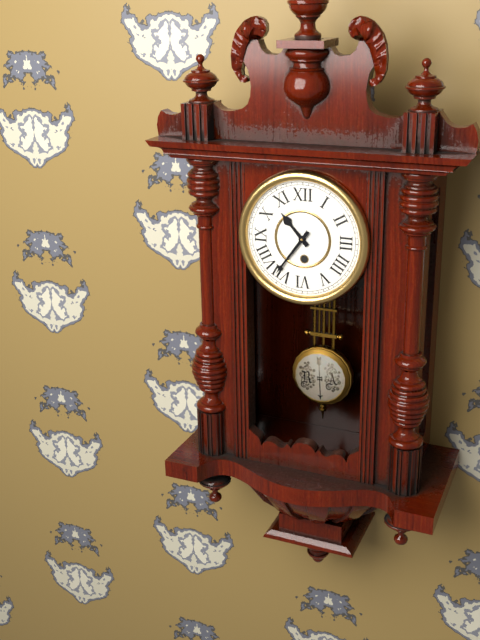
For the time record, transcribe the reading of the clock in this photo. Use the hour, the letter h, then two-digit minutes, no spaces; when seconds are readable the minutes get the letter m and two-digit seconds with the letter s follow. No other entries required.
10h36
